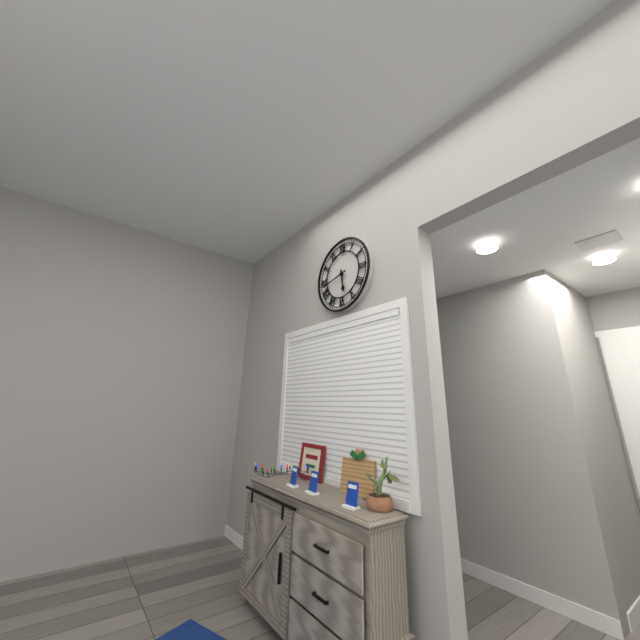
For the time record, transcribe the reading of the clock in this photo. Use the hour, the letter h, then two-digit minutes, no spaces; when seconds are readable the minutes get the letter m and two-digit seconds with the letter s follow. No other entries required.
5h43
